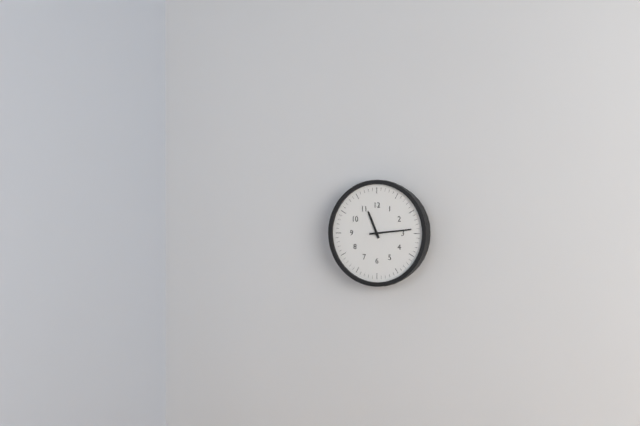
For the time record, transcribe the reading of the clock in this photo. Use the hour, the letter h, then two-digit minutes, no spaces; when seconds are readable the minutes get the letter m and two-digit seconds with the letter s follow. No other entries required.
11h14
